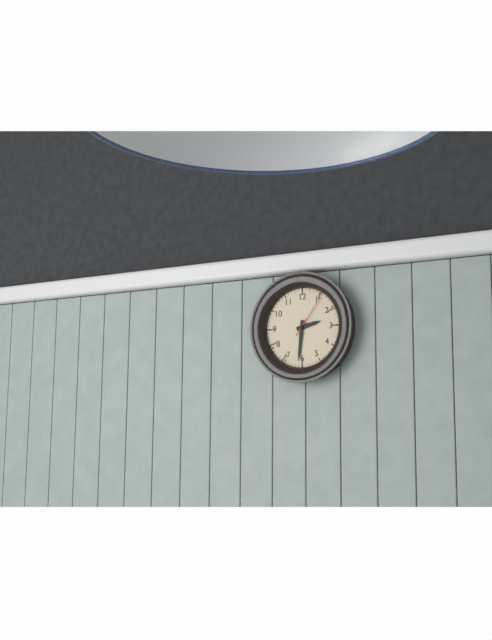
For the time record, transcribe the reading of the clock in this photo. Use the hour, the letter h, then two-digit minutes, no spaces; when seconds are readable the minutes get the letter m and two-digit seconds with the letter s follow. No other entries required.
2h31
